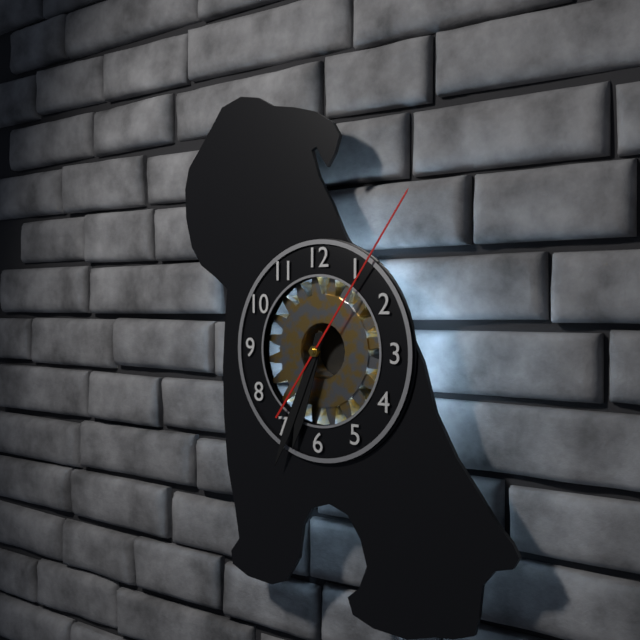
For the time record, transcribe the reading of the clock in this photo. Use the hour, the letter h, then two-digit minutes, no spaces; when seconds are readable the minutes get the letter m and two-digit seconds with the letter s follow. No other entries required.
6h34m06s
